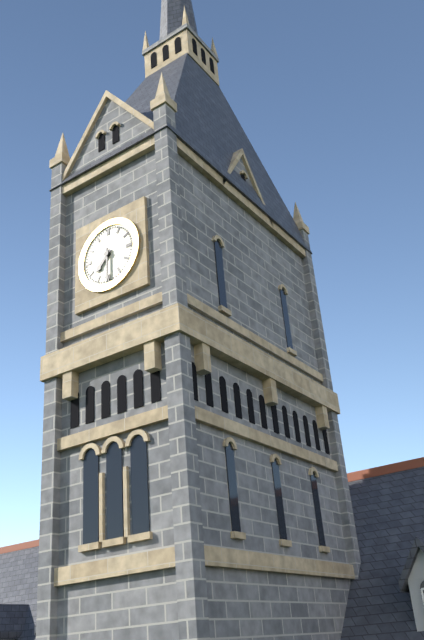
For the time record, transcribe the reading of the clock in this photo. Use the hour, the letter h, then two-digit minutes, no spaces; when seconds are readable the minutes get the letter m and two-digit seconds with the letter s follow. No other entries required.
7h30
